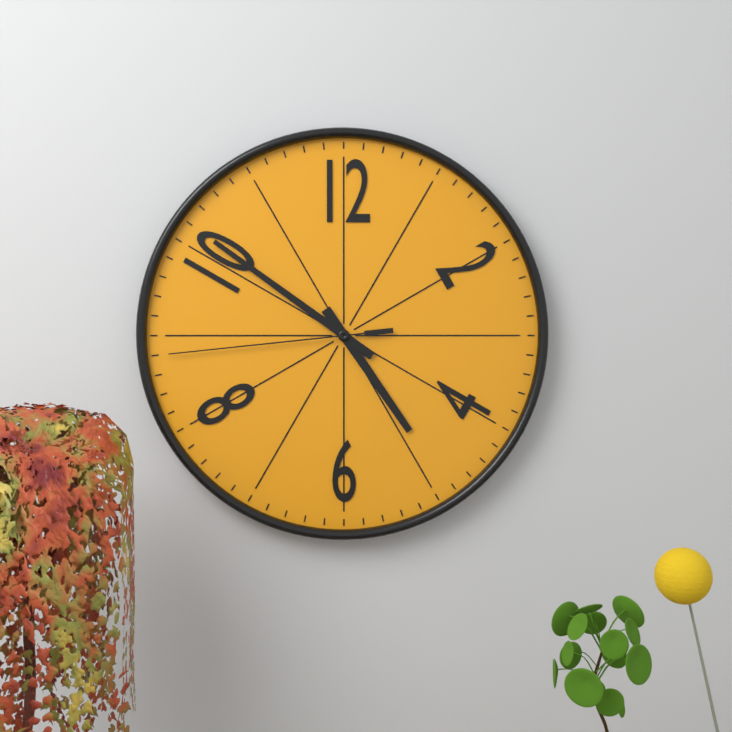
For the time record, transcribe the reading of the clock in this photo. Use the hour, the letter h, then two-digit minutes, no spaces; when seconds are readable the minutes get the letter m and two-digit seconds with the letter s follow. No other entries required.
4h51m44s
